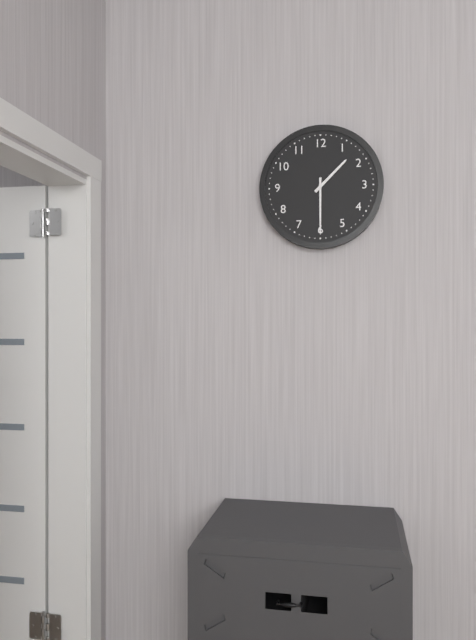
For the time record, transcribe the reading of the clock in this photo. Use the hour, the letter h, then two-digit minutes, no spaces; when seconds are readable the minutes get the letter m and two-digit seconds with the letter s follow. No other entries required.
1h30
